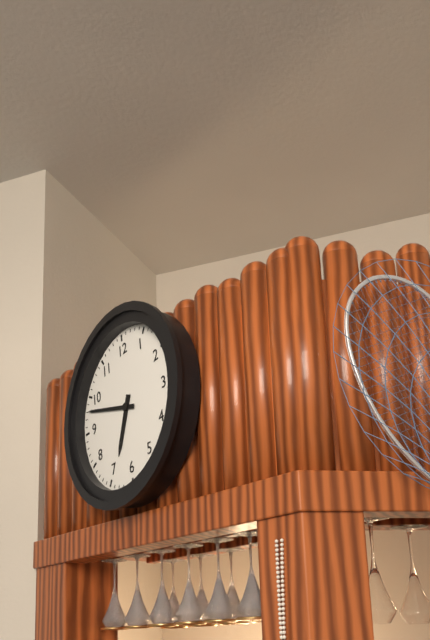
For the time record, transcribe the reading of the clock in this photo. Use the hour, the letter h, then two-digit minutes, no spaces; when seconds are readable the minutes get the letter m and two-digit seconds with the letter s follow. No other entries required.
6h48
